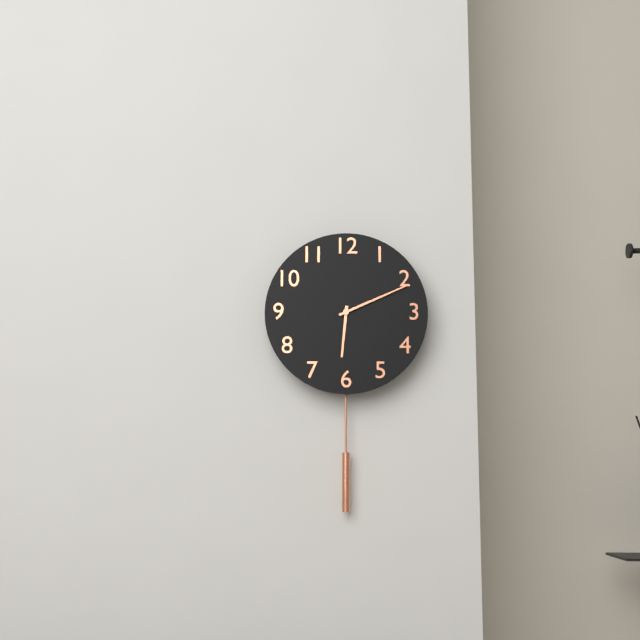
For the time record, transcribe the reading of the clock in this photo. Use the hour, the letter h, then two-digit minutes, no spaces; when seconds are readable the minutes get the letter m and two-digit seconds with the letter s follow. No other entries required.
6h11
